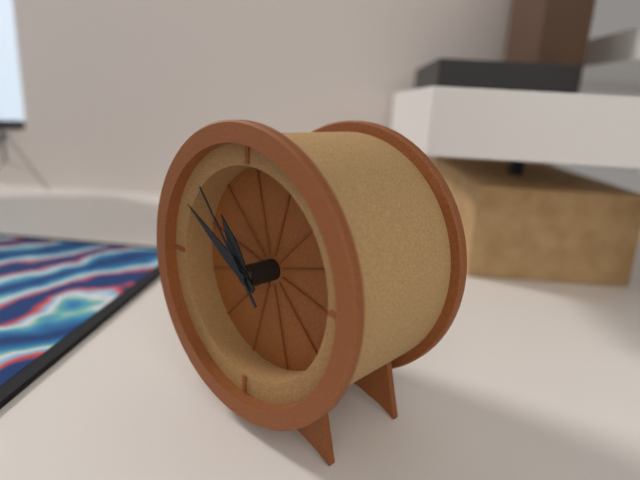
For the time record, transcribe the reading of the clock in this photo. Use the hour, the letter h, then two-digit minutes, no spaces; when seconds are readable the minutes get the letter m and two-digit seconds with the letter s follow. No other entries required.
10h50m53s
